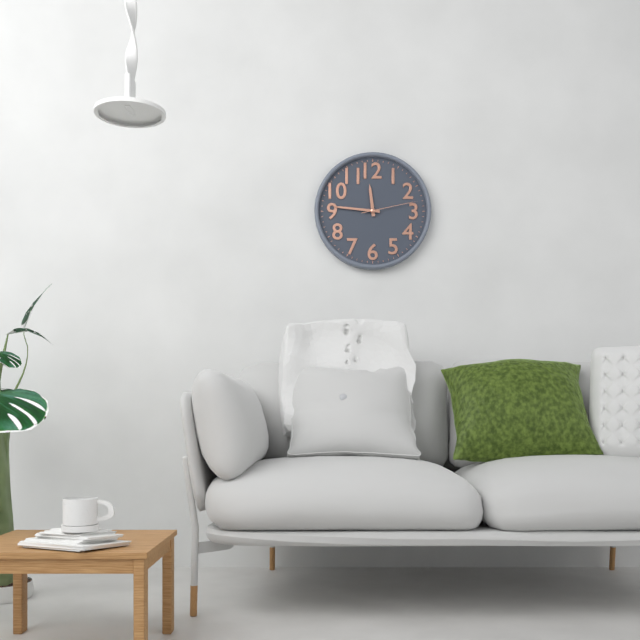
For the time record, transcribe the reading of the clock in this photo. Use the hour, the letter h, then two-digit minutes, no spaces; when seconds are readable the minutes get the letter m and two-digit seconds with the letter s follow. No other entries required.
11h46m13s
